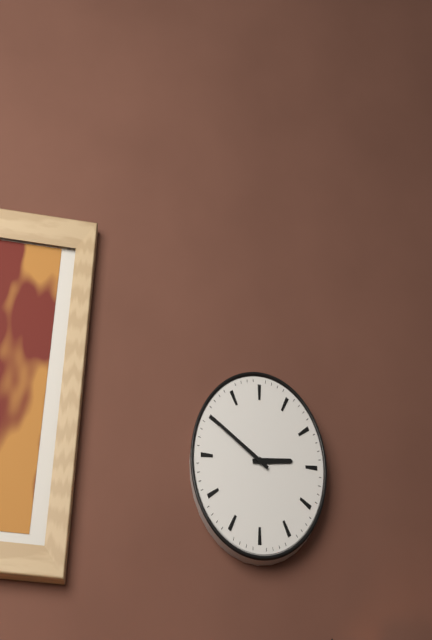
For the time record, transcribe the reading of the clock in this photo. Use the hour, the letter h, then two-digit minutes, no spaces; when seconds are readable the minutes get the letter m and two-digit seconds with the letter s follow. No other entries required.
2h50
